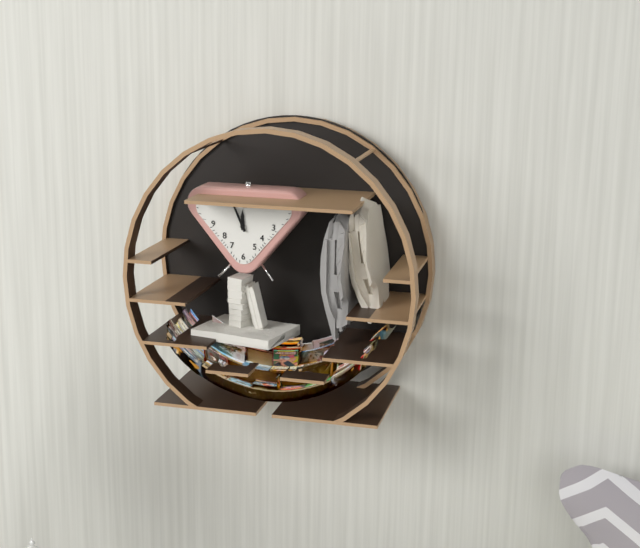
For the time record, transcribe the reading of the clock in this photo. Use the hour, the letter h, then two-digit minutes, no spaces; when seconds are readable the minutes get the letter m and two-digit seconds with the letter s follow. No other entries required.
11h56
